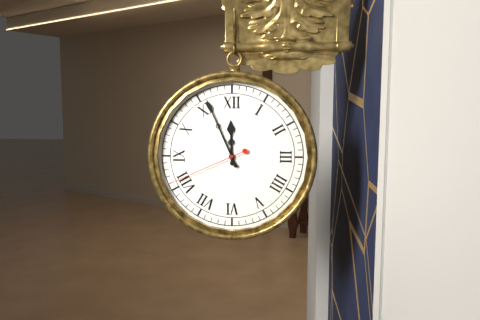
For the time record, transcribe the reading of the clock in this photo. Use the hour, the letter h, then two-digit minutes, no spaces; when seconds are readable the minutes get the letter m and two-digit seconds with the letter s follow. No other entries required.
11h56m41s
